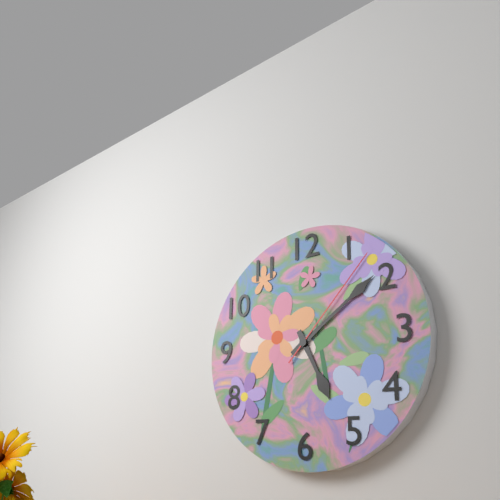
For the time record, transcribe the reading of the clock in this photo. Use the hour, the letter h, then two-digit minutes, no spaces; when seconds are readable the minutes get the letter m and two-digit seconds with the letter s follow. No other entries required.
5h09m07s
